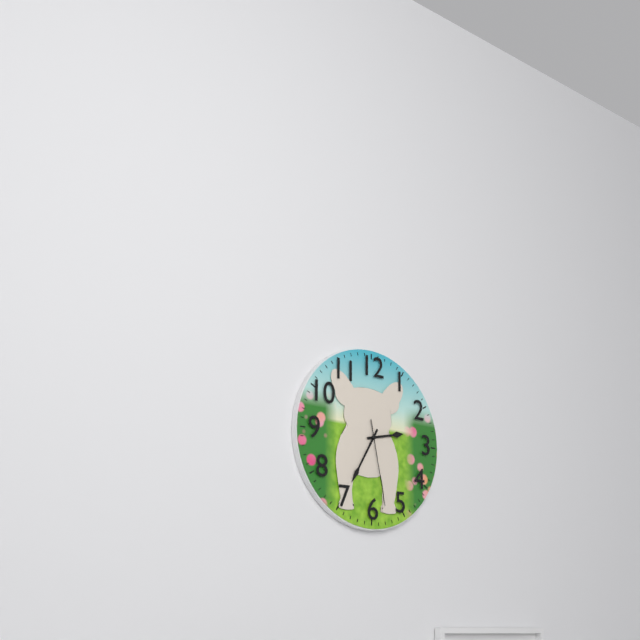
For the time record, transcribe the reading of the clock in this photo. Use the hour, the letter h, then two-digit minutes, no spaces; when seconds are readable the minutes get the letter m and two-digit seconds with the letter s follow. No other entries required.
2h35m28s
